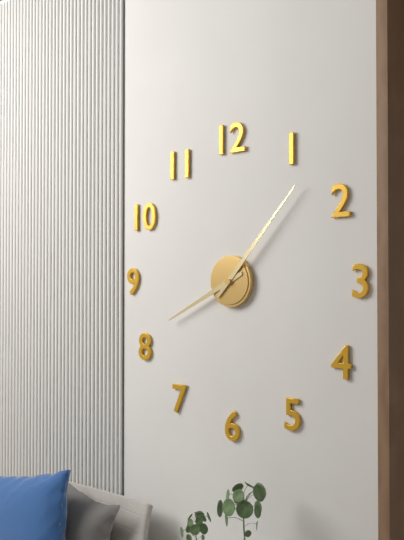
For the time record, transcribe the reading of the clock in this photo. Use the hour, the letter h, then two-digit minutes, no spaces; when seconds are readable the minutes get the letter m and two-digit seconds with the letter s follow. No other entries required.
8h07
